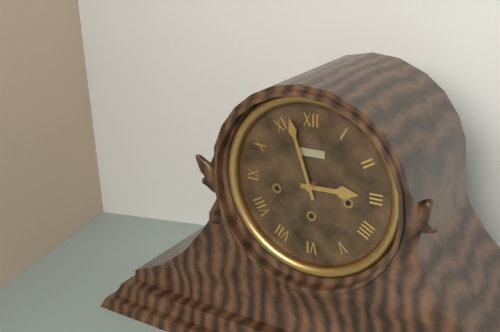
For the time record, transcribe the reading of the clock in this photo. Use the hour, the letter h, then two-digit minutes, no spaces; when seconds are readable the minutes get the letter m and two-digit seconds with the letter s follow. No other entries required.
2h57
